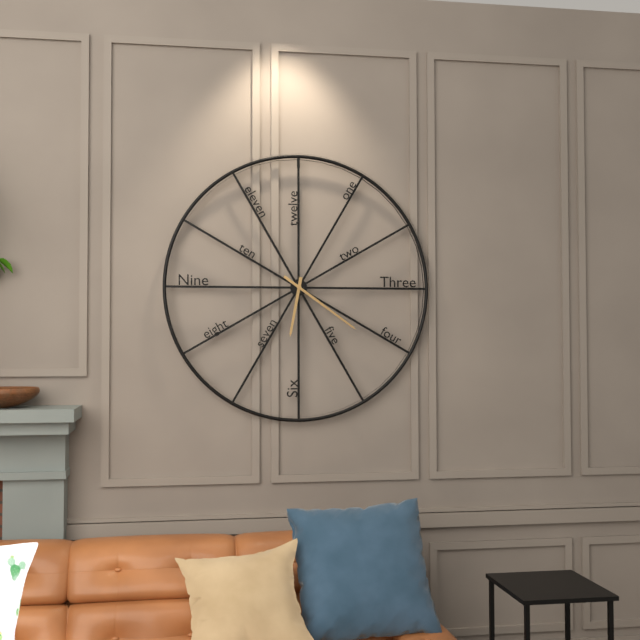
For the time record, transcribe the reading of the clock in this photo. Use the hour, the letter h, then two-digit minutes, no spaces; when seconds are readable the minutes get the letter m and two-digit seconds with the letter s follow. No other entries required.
6h21
